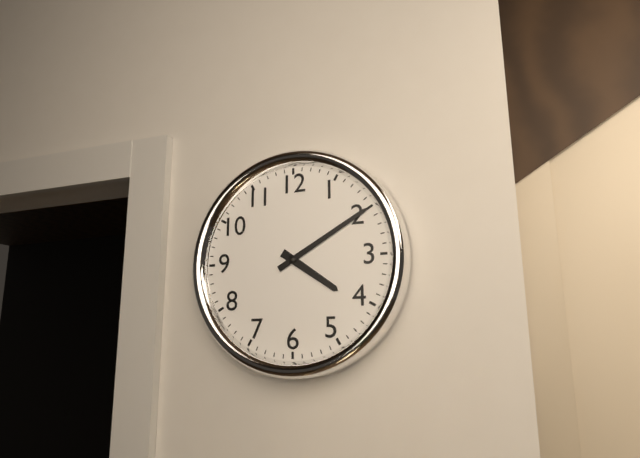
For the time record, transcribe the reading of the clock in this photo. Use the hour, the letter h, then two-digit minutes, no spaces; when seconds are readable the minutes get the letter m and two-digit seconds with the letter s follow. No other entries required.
4h10
